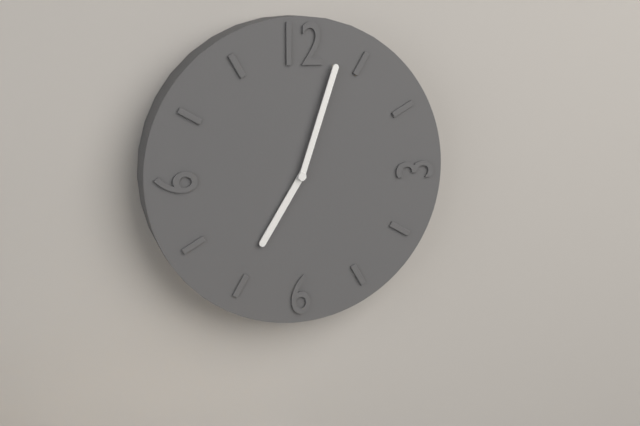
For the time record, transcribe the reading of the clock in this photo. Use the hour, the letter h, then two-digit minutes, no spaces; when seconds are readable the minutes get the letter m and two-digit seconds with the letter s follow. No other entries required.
7h03
